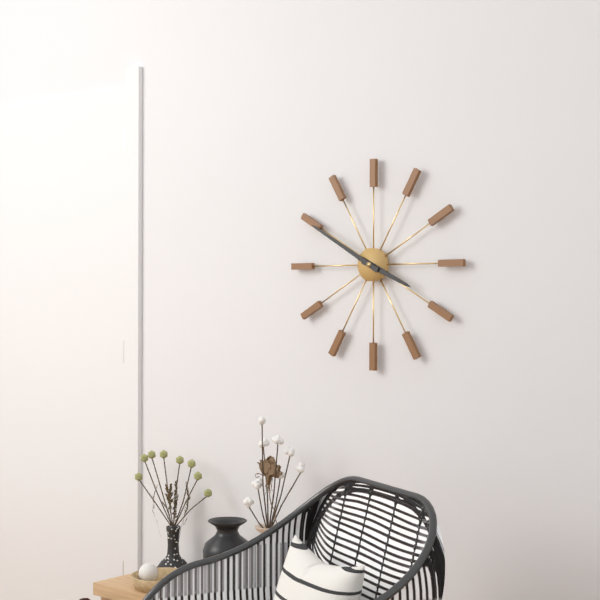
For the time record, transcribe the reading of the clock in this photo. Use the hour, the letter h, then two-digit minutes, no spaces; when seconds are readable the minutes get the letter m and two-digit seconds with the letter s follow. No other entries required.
3h50
